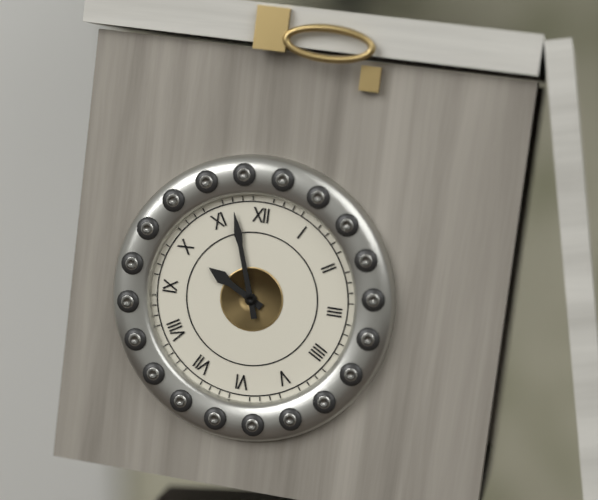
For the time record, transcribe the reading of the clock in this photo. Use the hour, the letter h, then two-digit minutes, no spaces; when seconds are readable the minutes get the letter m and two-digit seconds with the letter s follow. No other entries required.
9h57
